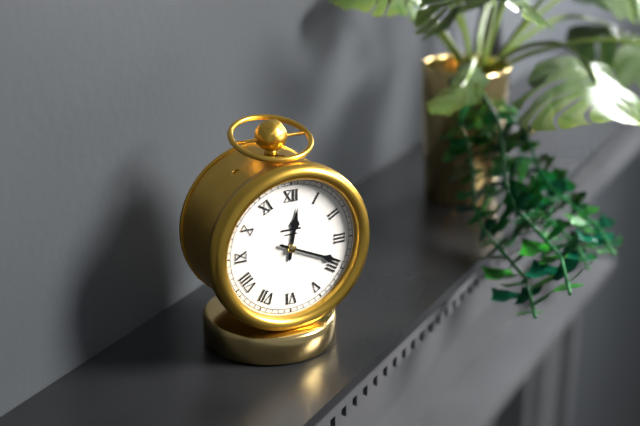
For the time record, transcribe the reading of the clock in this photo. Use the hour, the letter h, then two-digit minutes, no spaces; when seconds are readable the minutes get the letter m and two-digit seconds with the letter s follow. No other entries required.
12h19
